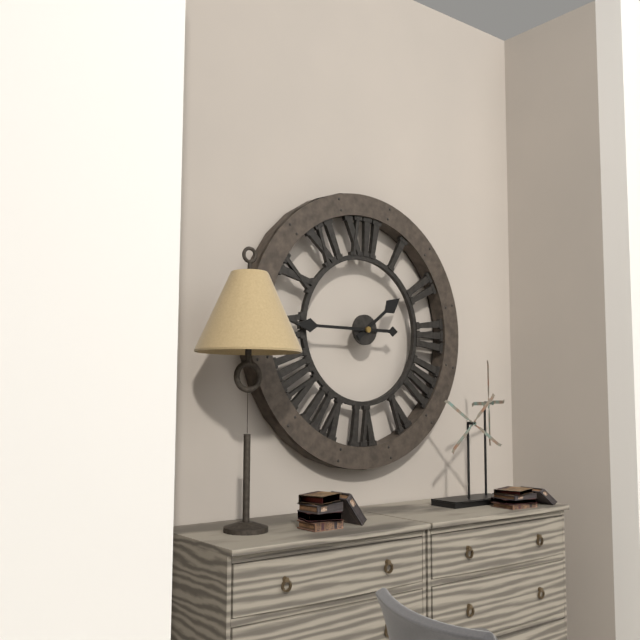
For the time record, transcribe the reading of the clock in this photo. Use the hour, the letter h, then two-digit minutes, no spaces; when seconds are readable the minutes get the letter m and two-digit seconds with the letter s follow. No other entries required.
1h45
